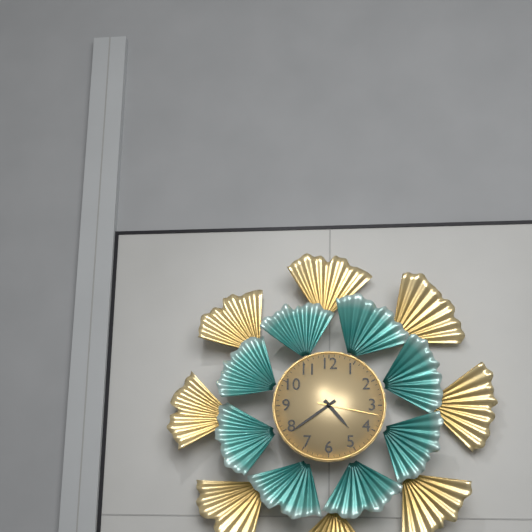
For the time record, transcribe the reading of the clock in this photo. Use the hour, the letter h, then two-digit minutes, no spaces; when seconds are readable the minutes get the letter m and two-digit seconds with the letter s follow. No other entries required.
4h39m17s
